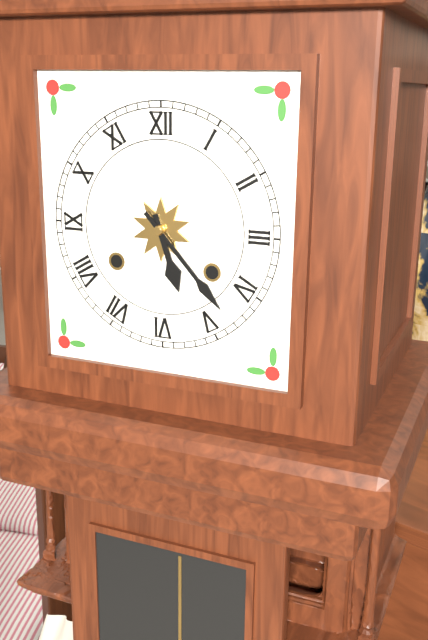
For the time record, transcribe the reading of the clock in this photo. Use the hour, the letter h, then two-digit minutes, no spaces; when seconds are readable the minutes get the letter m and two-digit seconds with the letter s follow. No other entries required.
5h23
